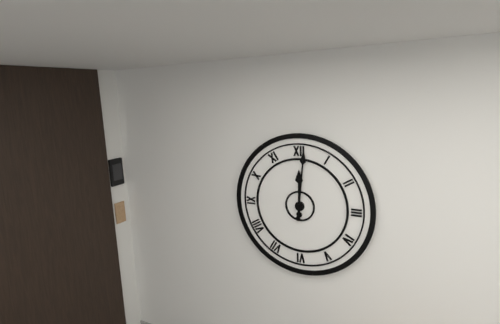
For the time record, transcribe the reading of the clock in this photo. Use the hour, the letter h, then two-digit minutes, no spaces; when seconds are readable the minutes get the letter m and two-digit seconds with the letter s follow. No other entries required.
12h01
